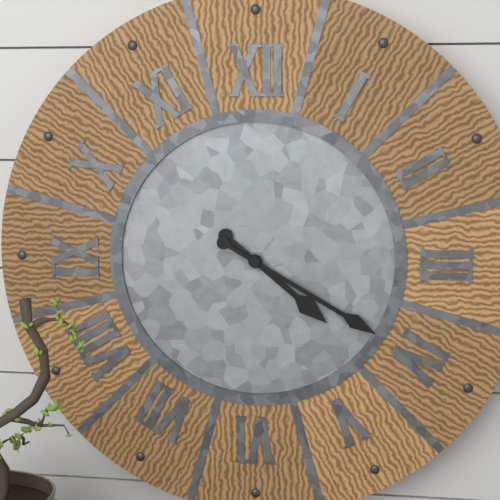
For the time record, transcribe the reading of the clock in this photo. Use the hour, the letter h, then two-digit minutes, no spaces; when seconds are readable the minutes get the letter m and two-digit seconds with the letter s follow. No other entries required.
4h20
